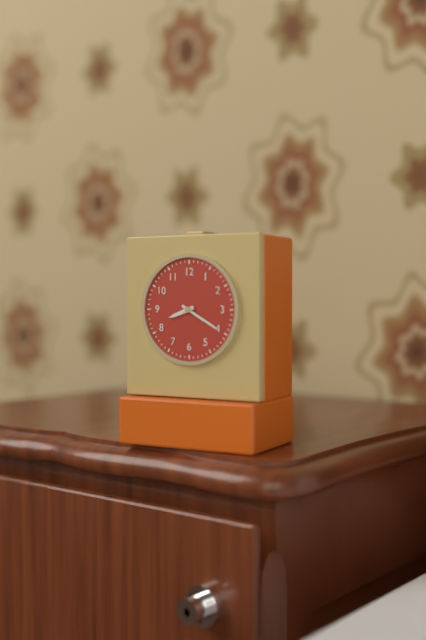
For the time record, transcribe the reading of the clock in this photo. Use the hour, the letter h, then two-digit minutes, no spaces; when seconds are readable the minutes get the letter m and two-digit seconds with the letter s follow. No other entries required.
8h20
